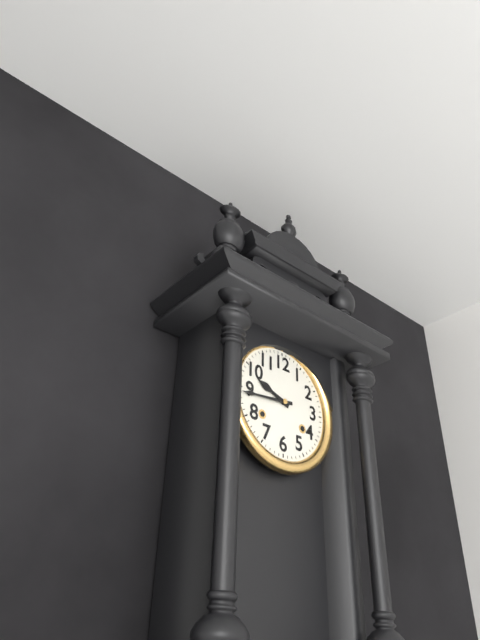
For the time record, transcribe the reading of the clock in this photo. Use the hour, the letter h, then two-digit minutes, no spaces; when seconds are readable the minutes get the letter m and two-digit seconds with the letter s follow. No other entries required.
9h44
